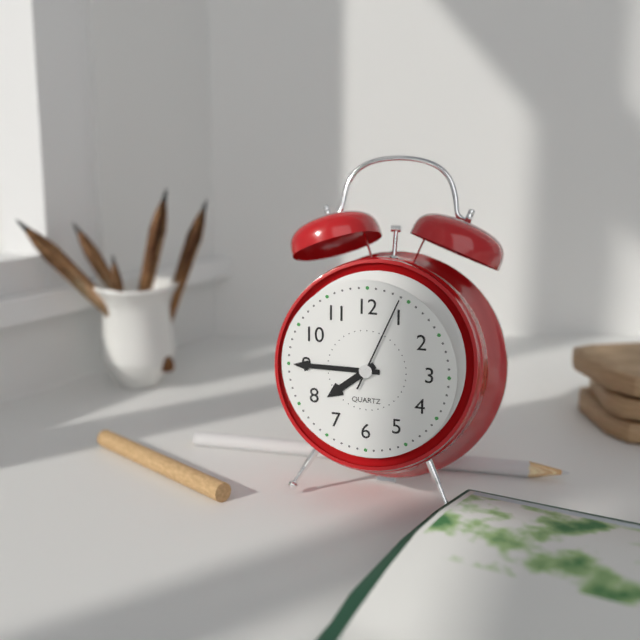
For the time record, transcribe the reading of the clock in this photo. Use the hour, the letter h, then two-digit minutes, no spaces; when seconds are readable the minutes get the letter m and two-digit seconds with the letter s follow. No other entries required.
7h45m04s
